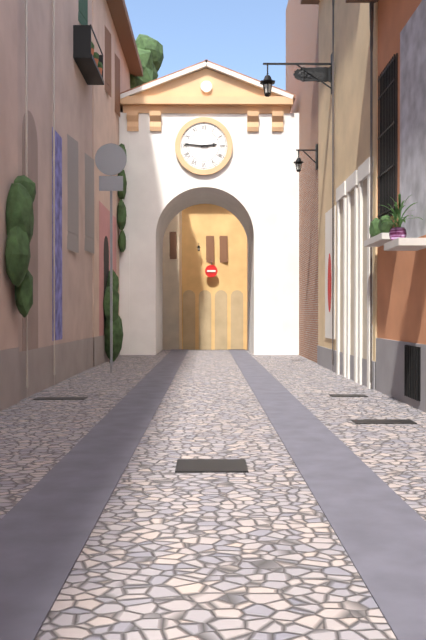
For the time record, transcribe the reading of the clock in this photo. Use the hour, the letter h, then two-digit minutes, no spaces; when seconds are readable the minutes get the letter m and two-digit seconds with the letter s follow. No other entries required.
2h46
